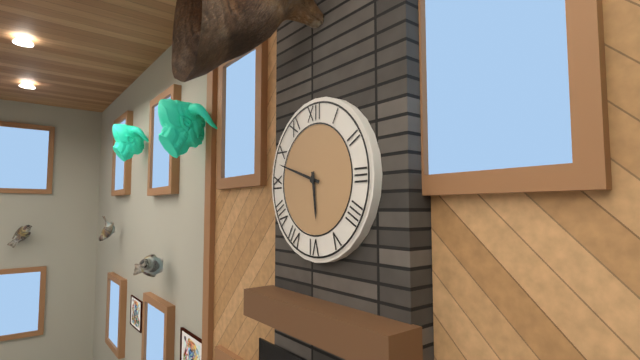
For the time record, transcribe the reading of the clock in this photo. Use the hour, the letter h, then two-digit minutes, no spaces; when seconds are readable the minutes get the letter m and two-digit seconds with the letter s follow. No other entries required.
5h48
